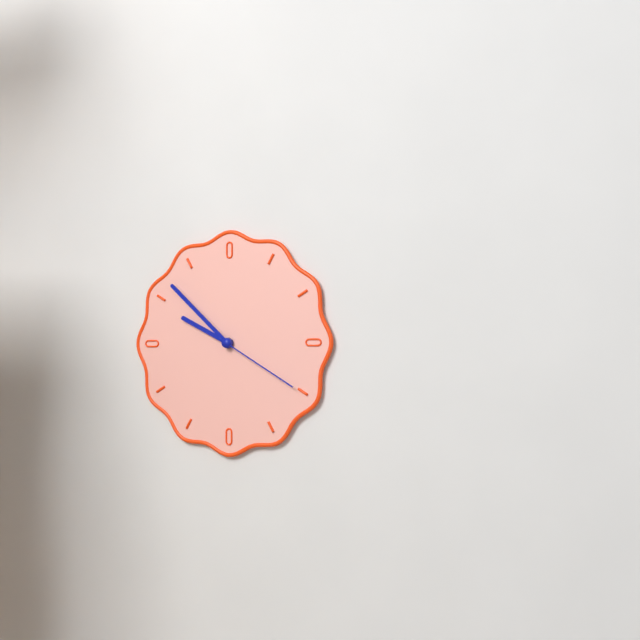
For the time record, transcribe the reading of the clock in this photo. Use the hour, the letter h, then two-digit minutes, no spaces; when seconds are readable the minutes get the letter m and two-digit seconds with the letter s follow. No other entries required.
9h52m20s
